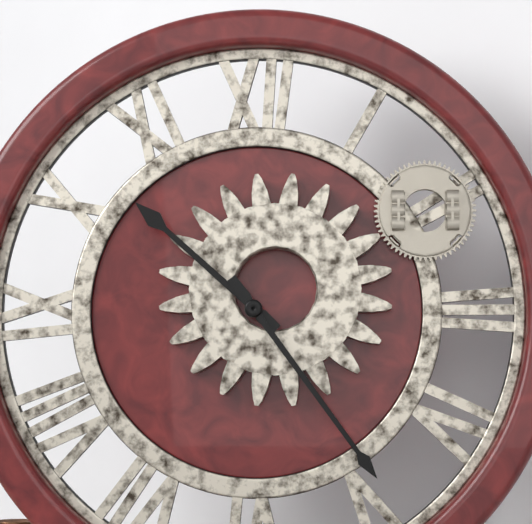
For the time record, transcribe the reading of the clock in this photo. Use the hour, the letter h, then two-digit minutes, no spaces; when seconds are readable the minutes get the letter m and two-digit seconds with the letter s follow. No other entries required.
10h24
